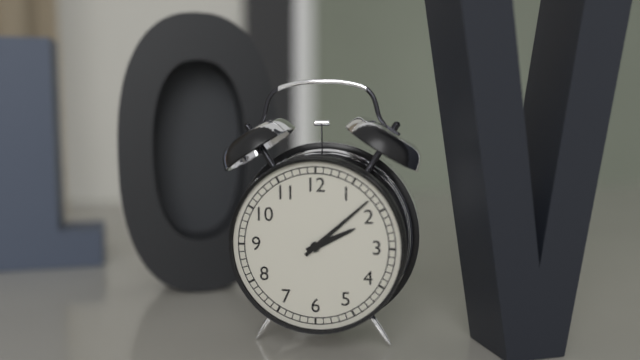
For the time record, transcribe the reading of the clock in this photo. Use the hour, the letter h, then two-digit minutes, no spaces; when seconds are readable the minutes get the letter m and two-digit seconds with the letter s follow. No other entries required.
2h08
